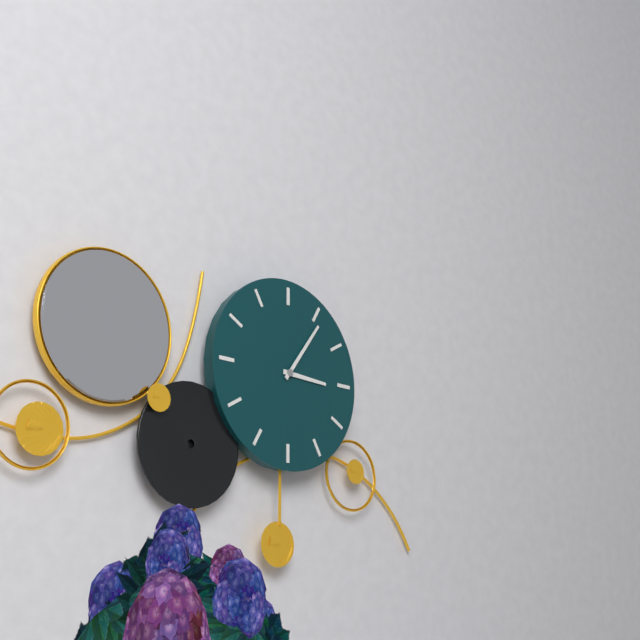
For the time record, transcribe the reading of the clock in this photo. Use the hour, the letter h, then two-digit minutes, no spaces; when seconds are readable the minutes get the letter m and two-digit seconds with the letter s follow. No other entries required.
3h06
